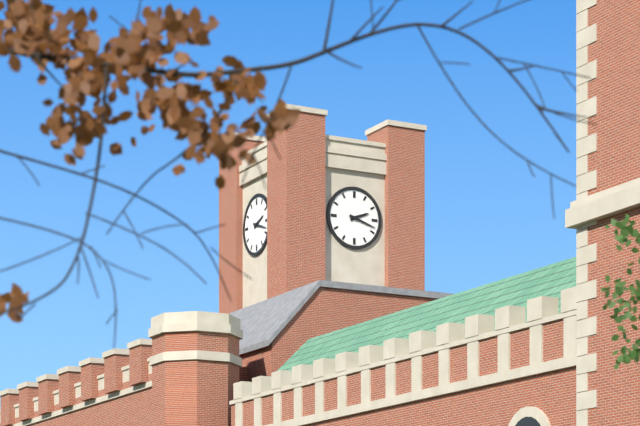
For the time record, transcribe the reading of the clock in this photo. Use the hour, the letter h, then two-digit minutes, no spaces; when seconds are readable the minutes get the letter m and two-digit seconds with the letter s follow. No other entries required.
2h18
